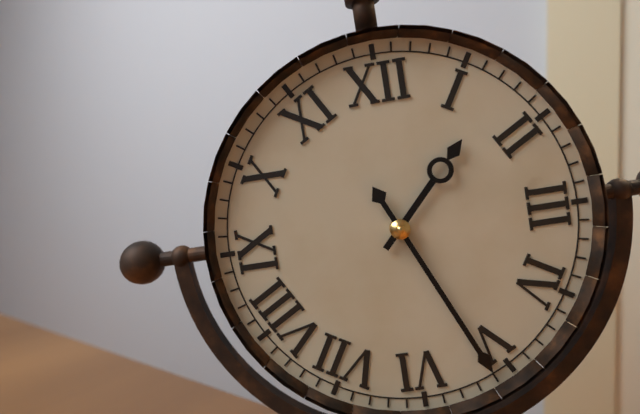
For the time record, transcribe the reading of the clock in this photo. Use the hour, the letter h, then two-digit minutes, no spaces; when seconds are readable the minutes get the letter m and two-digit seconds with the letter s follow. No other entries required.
1h26
